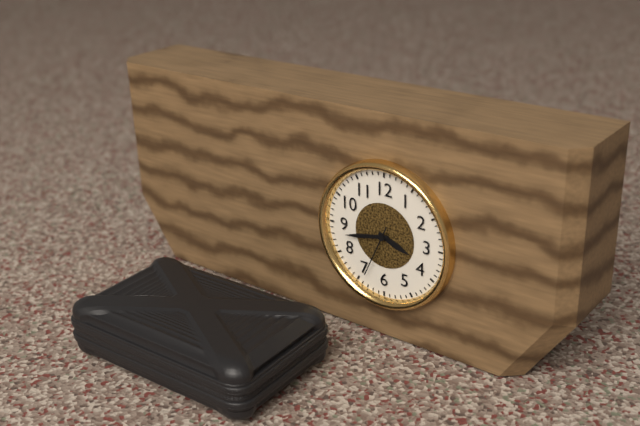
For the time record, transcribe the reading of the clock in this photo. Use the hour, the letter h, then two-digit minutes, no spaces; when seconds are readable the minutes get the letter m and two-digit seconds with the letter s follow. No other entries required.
3h43m34s
